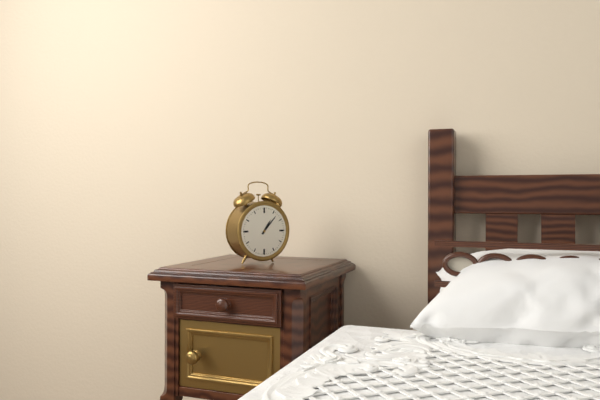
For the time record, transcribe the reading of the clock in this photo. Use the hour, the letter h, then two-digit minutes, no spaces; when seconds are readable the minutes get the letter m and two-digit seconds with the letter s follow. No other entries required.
1h07
